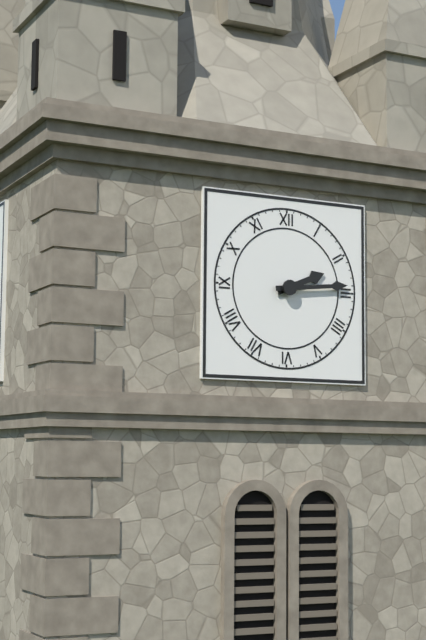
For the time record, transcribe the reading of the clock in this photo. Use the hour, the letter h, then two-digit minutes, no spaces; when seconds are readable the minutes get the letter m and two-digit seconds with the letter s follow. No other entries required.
2h14
